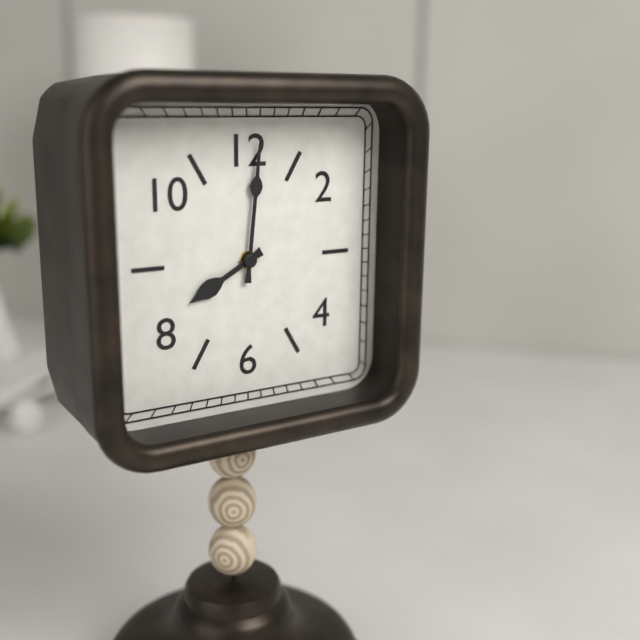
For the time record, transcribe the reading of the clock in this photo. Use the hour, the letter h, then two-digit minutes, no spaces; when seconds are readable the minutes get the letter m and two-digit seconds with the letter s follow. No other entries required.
8h01
